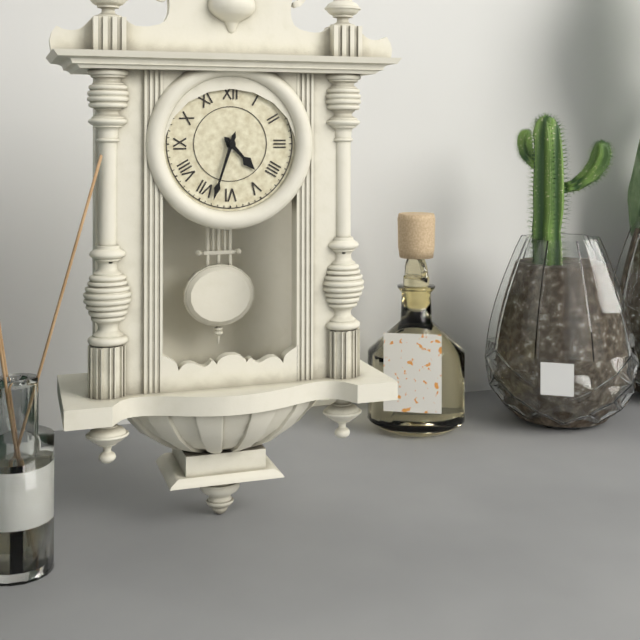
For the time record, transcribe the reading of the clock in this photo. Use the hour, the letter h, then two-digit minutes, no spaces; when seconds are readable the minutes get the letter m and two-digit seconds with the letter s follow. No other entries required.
4h33
